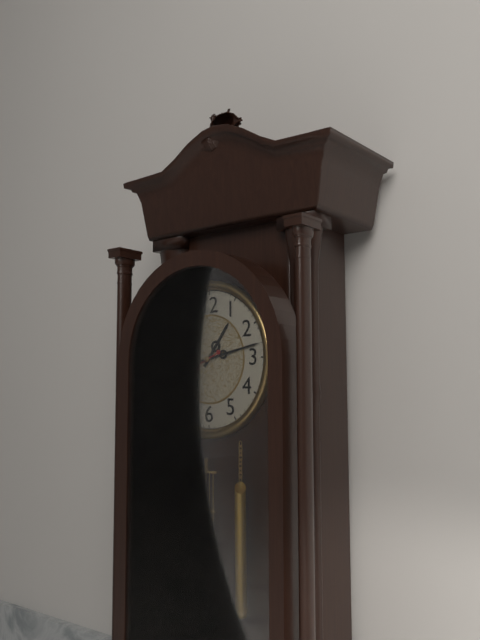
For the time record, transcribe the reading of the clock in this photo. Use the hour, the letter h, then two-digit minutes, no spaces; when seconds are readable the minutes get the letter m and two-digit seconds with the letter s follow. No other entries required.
1h13m41s
